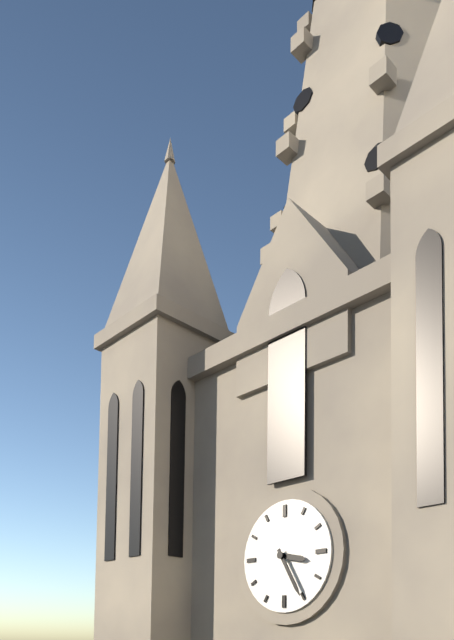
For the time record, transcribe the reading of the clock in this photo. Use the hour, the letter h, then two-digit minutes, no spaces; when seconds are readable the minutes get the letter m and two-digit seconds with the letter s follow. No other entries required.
3h25
